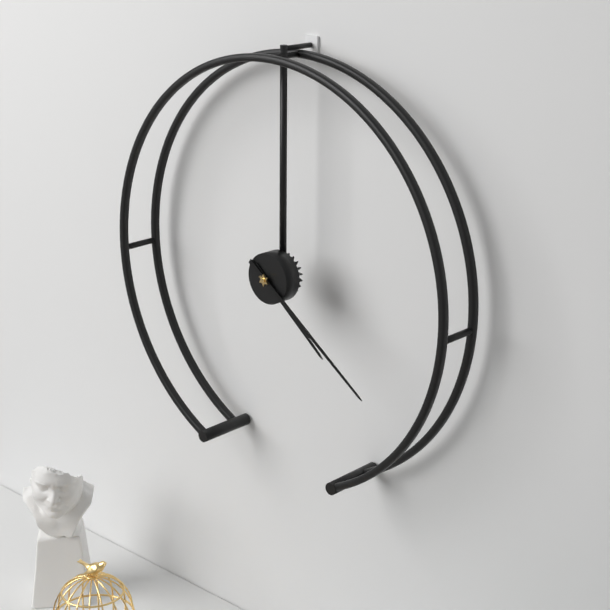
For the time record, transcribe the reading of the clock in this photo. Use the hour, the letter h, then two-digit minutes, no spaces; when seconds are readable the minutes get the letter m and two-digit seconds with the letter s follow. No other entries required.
4h21
